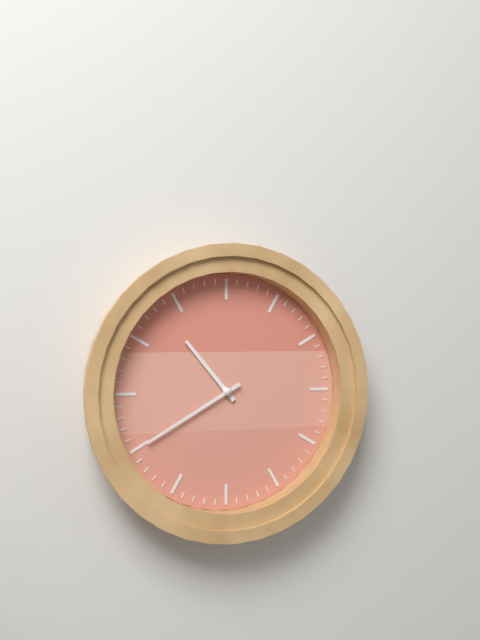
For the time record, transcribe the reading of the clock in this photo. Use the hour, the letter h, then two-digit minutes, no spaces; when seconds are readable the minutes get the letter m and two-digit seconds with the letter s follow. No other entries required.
10h40
